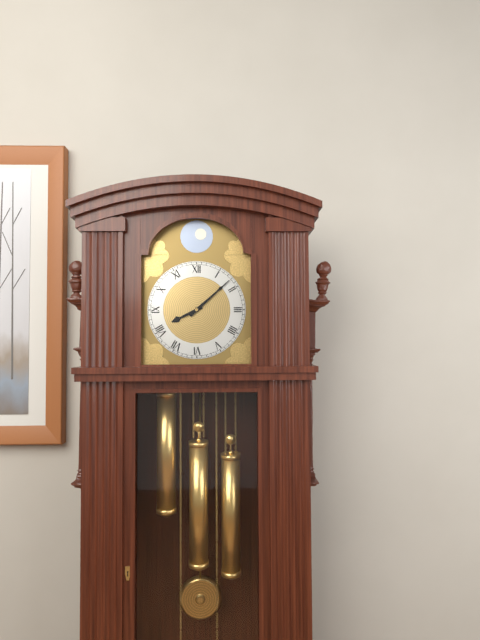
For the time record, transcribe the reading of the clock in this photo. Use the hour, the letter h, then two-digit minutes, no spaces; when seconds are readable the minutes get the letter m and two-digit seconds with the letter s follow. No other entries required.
8h08
